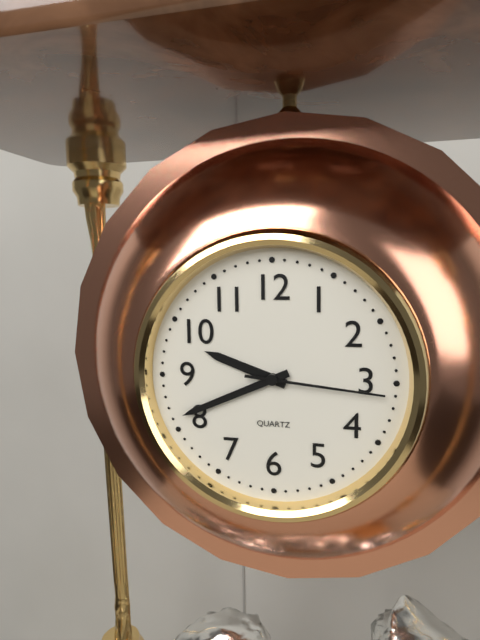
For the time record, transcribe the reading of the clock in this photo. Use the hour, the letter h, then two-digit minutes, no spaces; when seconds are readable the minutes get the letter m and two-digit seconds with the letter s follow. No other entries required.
9h41m16s
